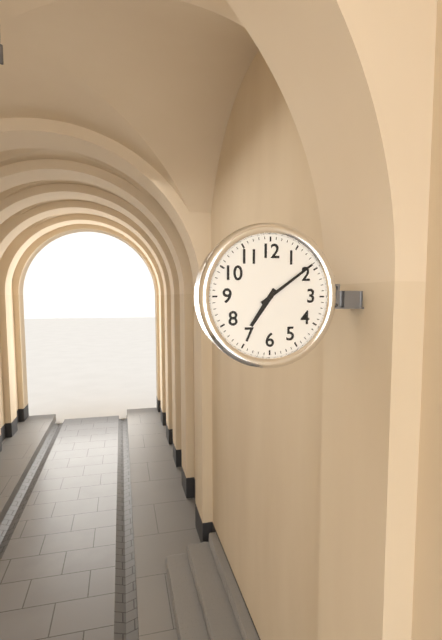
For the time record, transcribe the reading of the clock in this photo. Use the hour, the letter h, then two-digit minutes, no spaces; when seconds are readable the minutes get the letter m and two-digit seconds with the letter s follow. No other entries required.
7h09
